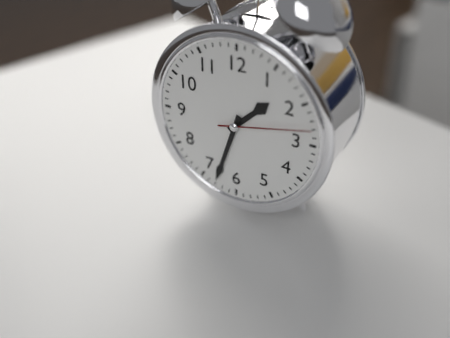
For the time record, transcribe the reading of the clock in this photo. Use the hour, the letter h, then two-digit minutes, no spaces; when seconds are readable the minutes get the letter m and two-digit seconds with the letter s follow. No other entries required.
1h33m13s
